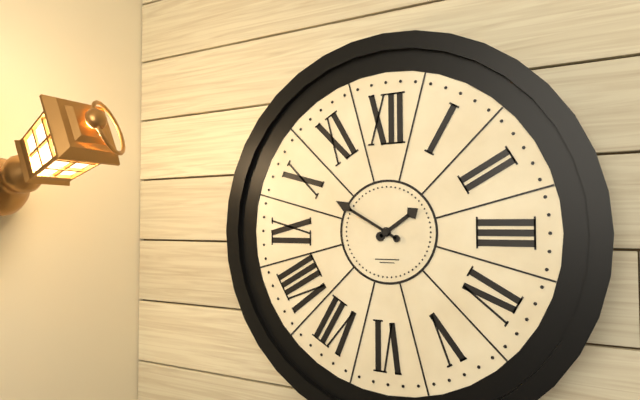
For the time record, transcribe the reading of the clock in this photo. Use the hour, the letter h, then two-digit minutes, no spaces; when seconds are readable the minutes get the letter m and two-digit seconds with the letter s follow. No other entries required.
1h50
